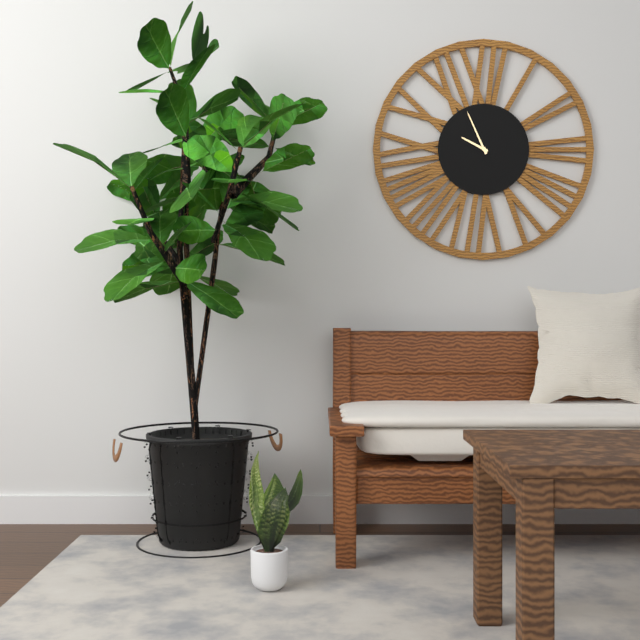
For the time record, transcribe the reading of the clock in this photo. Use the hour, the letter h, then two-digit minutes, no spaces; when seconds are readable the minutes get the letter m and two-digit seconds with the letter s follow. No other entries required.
9h56
